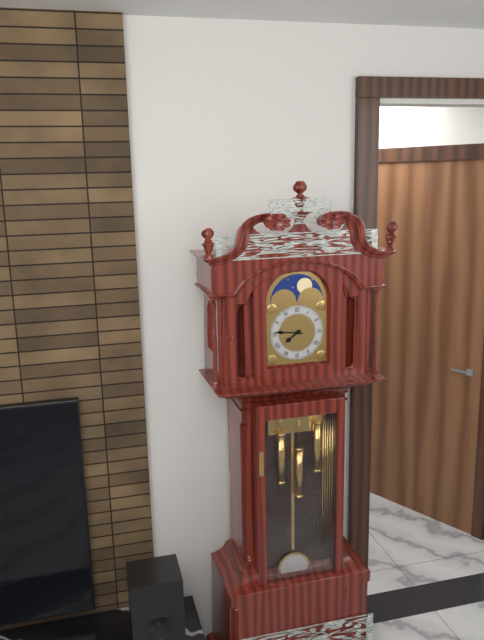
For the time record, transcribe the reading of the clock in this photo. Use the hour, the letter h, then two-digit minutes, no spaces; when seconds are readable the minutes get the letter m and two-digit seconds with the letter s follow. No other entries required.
7h46
